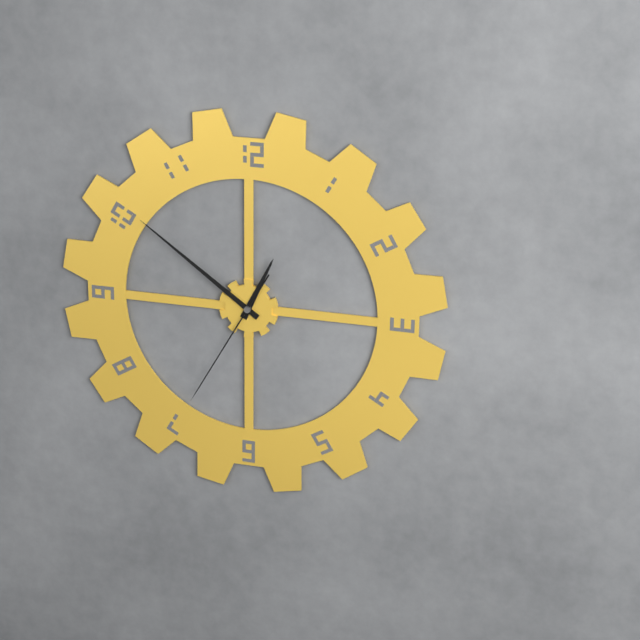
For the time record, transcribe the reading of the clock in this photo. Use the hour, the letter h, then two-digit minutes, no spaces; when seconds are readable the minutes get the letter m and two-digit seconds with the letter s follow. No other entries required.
12h51m35s
